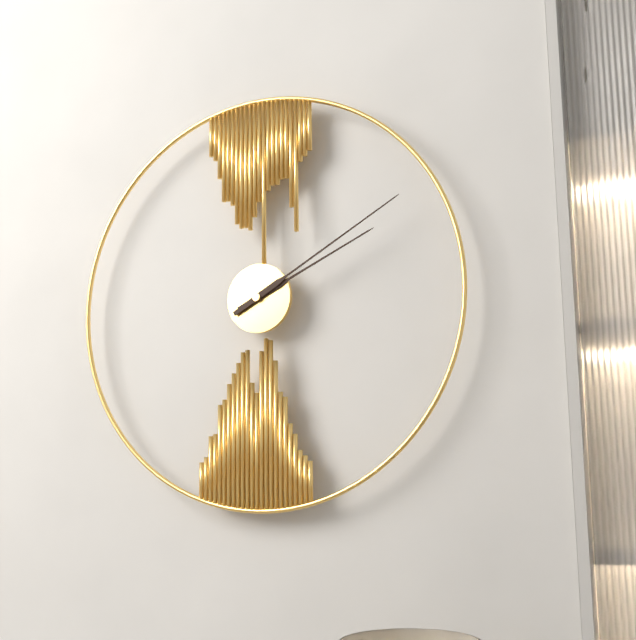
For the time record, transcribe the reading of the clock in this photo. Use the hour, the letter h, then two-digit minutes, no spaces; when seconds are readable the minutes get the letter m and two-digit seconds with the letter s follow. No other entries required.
2h10
